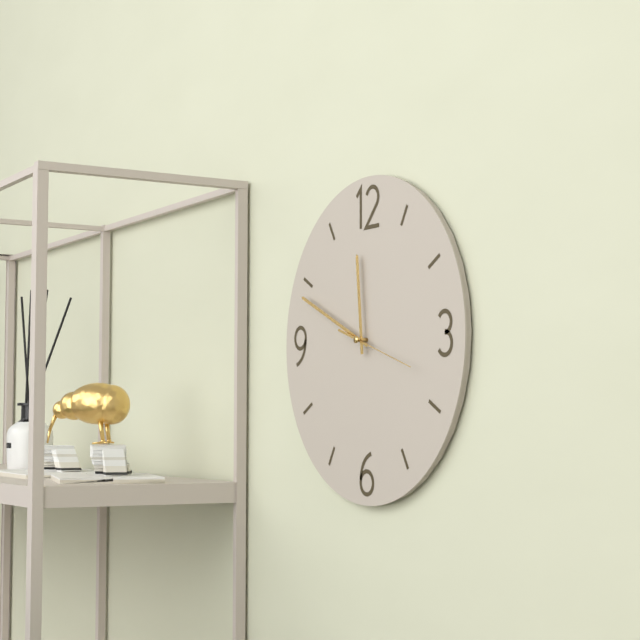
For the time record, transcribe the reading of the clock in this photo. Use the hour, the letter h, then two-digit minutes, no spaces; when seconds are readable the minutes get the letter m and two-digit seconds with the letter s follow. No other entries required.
11h49m18s
